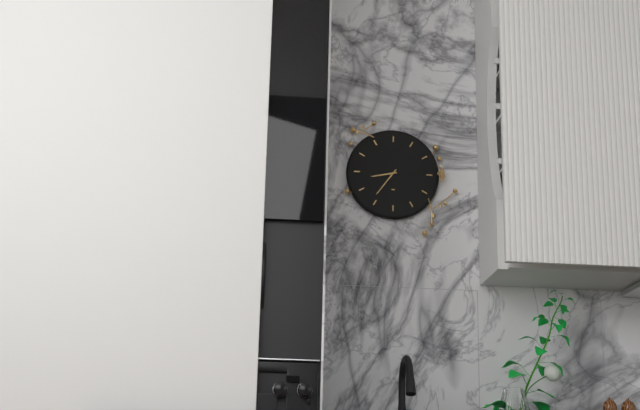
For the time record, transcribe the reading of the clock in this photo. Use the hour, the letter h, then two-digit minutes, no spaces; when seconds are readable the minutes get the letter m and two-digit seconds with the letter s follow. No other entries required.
8h36
